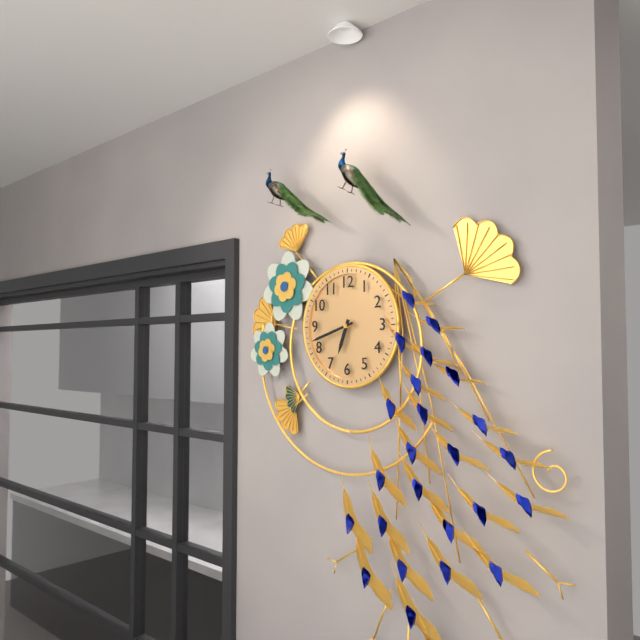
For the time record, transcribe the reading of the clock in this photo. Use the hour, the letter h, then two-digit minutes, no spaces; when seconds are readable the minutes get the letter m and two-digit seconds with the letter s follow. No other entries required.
6h42
